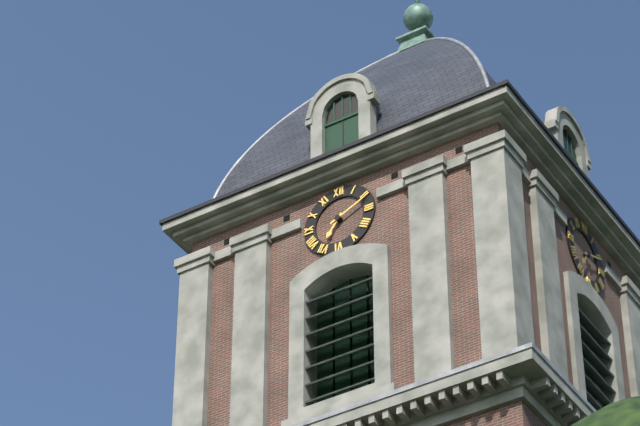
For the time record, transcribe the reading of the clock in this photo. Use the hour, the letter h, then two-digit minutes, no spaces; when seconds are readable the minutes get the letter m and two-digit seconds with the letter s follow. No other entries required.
7h11
